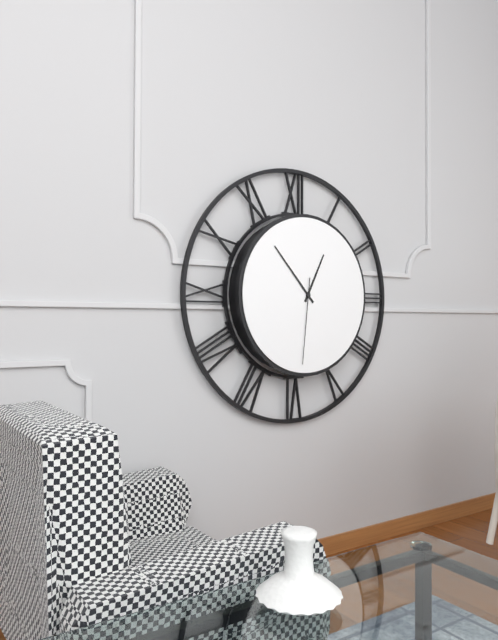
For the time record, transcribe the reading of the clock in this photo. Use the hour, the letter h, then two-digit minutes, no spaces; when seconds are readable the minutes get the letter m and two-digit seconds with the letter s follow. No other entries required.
12h53m31s
